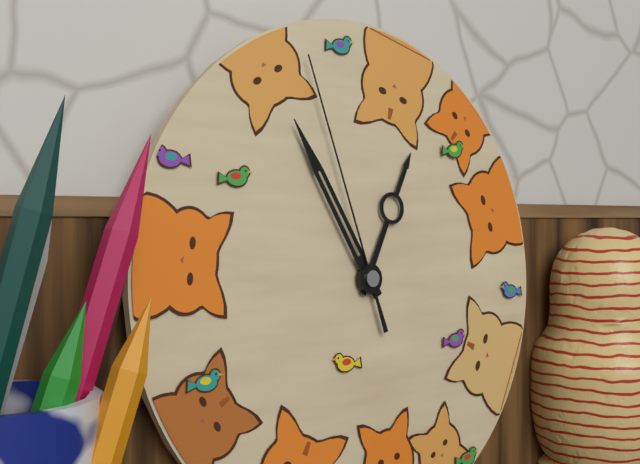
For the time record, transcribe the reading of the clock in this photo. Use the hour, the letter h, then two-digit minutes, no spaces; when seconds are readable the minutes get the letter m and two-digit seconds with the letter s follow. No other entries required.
12h55m57s
